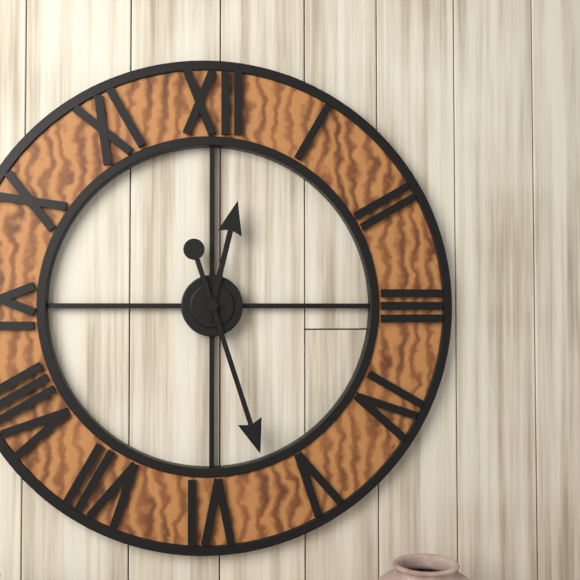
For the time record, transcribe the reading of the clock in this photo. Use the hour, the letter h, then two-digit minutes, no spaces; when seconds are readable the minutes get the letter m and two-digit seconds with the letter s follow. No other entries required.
12h27
